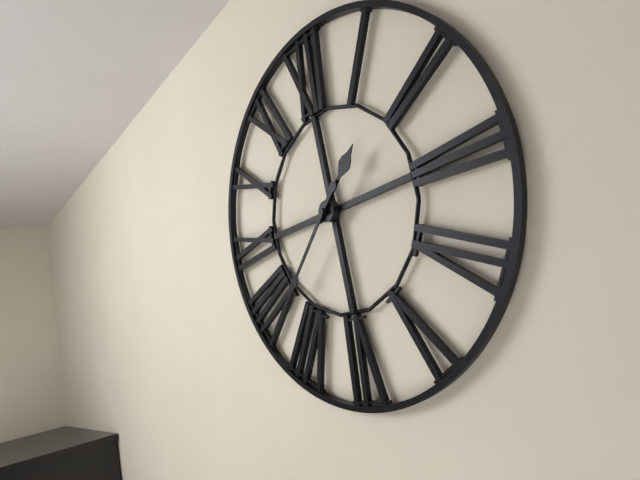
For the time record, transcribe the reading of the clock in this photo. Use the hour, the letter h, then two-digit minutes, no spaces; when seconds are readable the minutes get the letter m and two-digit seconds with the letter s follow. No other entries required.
1h38
